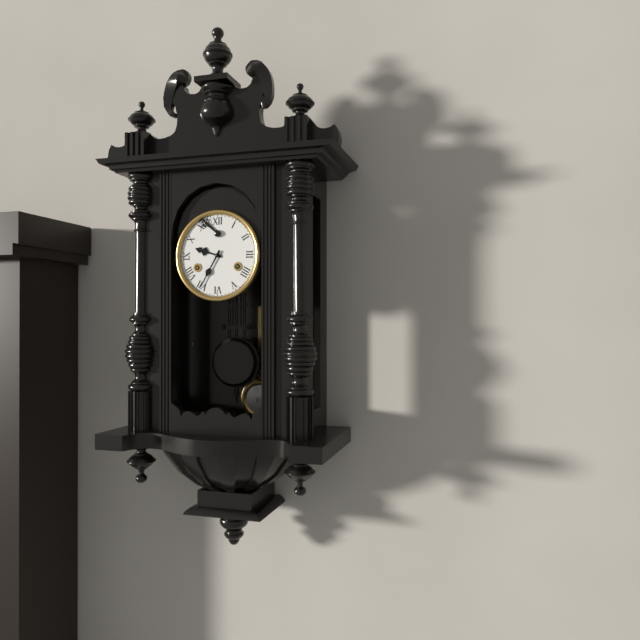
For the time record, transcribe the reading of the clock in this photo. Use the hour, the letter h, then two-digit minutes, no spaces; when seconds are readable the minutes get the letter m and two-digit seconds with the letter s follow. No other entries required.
9h35
